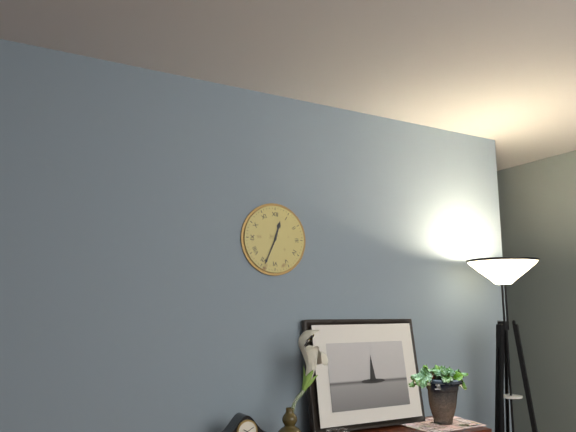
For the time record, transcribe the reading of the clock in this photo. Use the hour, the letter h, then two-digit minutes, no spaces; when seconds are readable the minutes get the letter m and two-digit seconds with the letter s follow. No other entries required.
12h34
